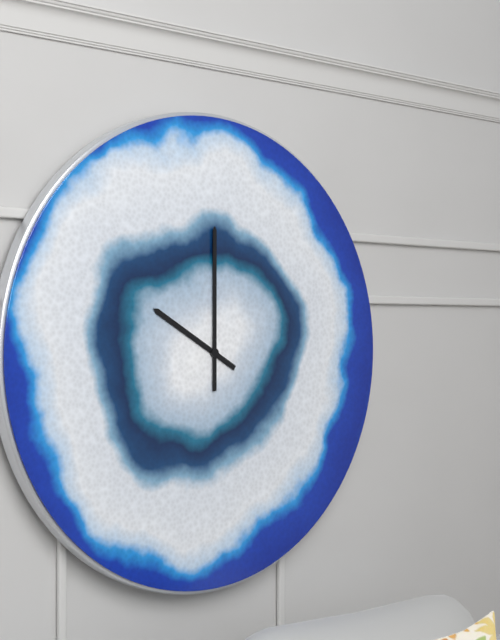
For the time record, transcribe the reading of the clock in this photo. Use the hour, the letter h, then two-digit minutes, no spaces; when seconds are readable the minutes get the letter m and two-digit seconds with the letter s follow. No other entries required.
10h00
